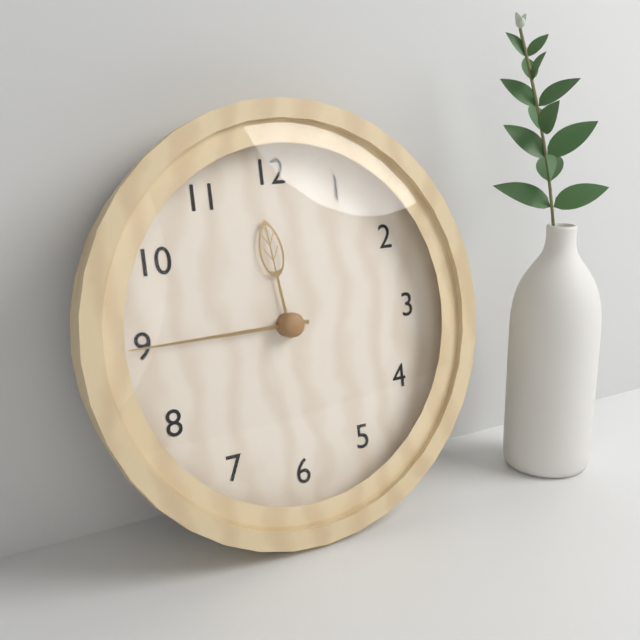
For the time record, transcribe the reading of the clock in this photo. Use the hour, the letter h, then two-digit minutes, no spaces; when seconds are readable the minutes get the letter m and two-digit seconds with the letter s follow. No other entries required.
11h45
